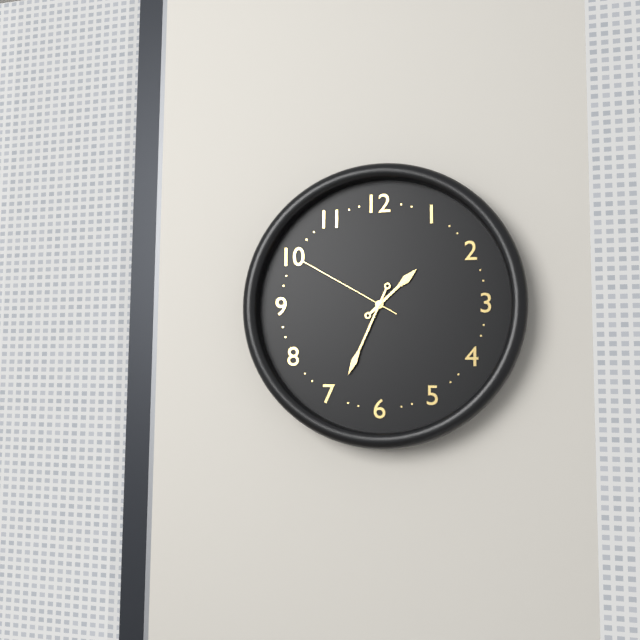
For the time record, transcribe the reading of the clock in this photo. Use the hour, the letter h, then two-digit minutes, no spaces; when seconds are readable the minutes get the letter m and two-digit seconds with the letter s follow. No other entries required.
1h34m50s
